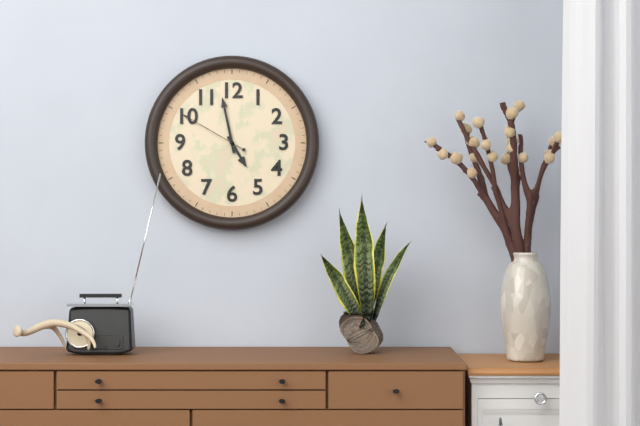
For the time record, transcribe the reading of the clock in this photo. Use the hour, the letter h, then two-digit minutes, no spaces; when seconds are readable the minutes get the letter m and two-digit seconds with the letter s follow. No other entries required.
4h58m50s
